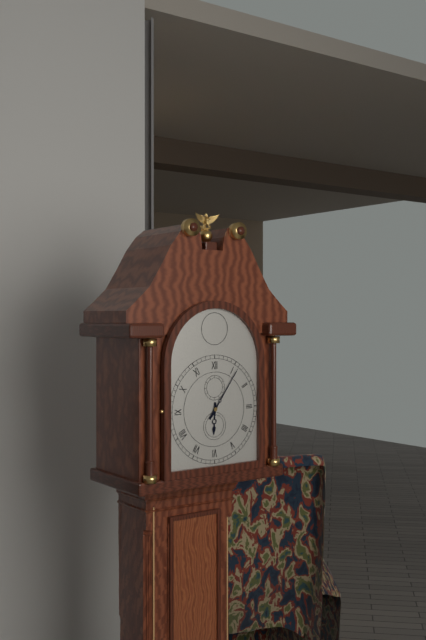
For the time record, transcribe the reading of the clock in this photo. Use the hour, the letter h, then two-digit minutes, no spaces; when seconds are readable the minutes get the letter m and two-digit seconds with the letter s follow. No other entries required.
6h06
